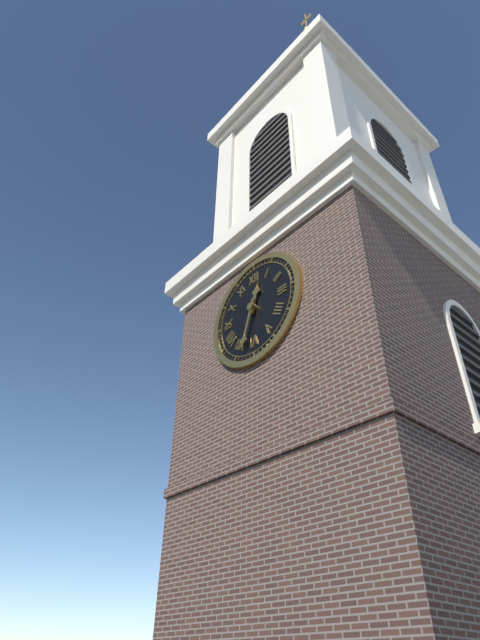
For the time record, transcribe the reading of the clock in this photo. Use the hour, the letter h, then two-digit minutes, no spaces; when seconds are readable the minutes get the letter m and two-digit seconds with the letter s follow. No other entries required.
12h33
